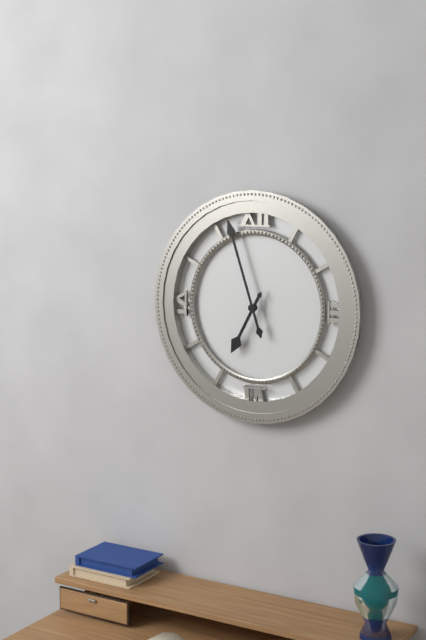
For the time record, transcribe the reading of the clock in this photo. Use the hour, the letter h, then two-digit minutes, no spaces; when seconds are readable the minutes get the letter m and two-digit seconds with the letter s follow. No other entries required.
6h57
